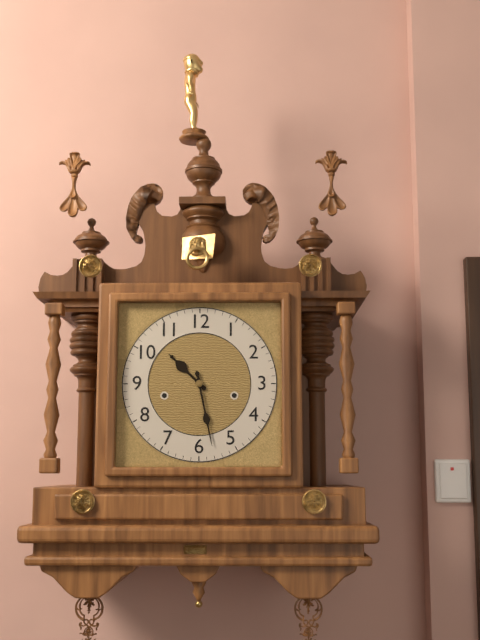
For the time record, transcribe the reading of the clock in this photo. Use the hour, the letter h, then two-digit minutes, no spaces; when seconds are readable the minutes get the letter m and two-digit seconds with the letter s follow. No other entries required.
10h28
